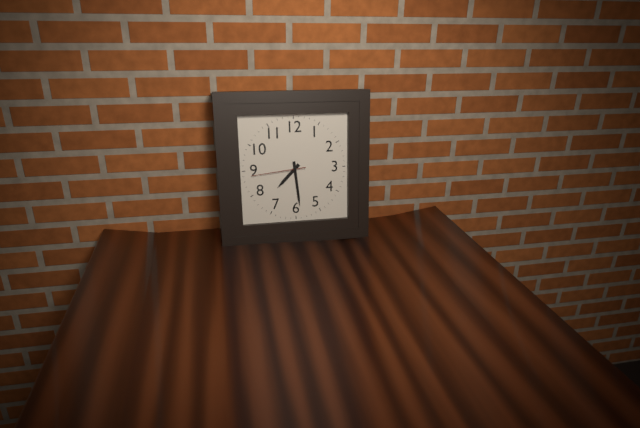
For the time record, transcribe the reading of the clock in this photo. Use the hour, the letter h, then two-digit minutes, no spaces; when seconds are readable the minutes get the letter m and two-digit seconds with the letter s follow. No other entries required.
7h29m44s
